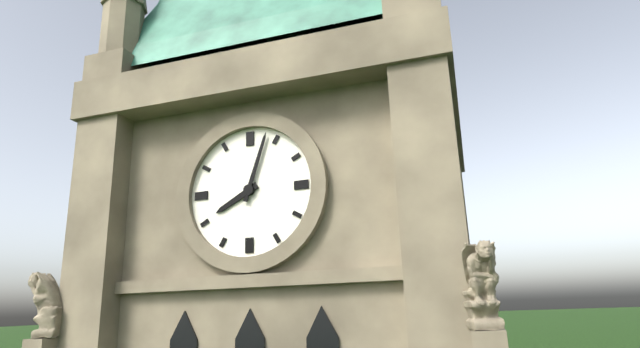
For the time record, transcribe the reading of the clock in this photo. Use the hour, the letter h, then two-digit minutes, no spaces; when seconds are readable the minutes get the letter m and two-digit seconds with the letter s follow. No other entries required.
8h03
